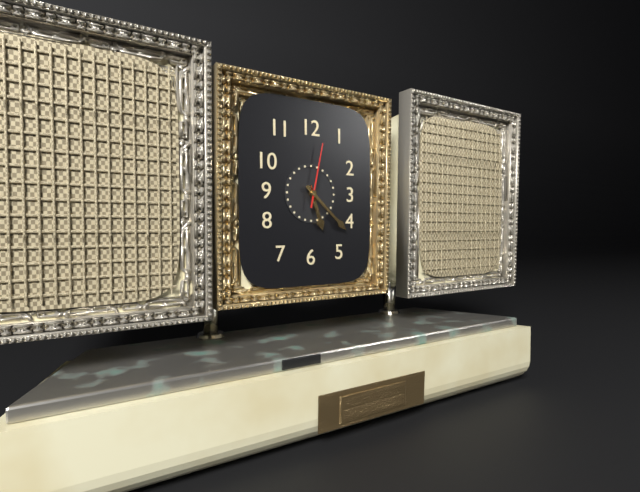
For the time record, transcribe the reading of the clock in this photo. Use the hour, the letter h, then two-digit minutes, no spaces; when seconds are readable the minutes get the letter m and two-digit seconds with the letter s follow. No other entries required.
5h22m02s
